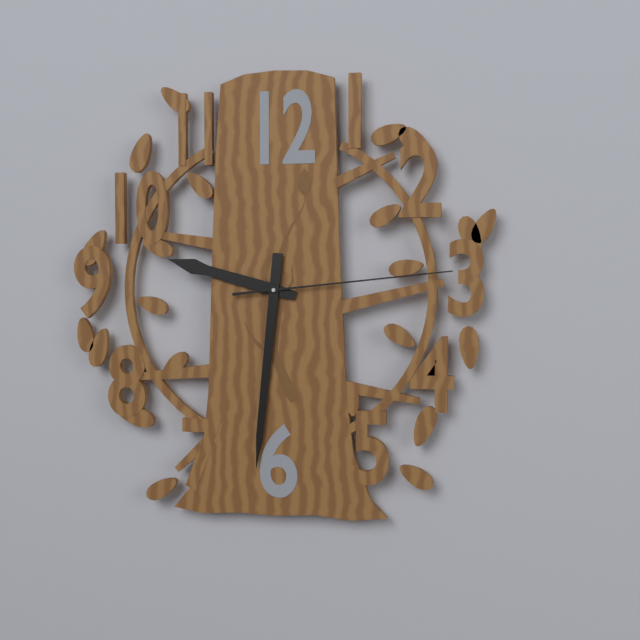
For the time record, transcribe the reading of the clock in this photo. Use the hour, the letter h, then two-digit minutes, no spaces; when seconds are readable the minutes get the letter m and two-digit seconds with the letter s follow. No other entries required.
9h31m14s
